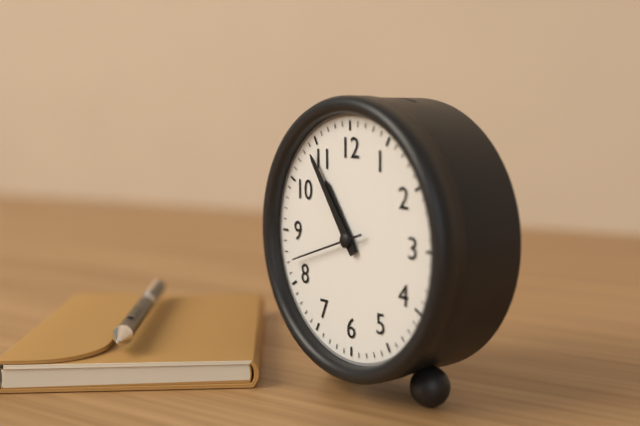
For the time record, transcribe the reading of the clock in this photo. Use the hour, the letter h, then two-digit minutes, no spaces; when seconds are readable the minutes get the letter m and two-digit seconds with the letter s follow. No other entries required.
10h54m42s
